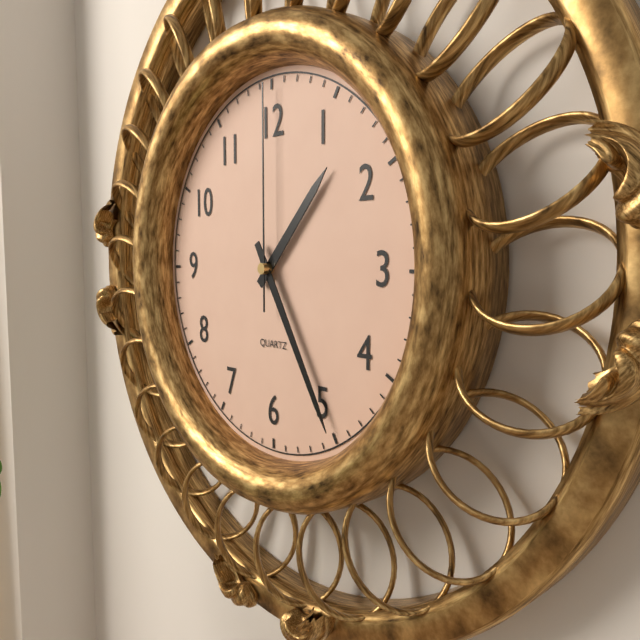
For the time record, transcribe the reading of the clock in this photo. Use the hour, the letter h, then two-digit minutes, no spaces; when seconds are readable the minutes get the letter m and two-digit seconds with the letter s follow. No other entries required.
1h25m00s
